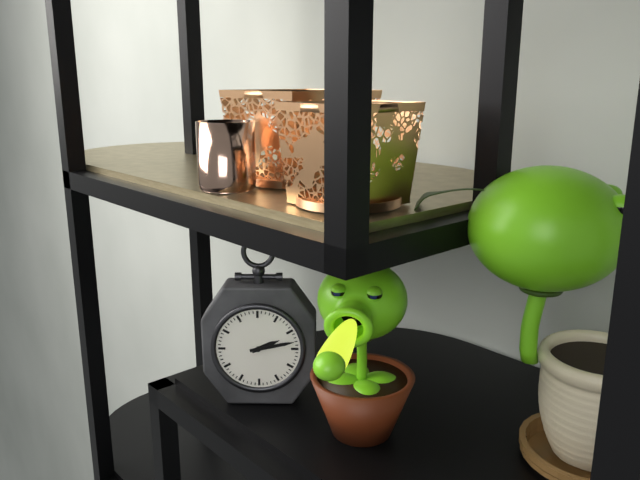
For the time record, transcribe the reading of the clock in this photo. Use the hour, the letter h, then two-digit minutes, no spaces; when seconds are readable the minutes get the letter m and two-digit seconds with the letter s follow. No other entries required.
2h13
